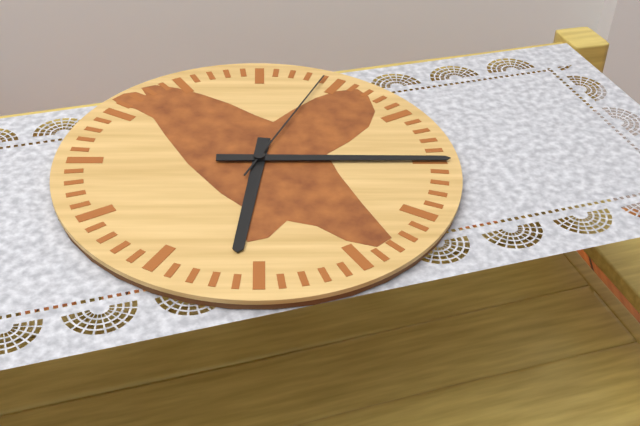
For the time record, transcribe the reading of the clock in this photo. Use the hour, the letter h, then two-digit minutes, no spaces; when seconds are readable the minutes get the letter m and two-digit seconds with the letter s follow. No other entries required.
6h15m04s
